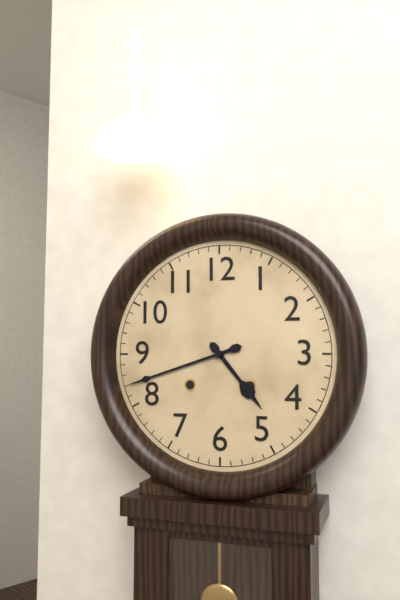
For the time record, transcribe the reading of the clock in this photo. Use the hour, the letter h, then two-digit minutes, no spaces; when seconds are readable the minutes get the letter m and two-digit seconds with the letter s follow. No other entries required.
4h42
